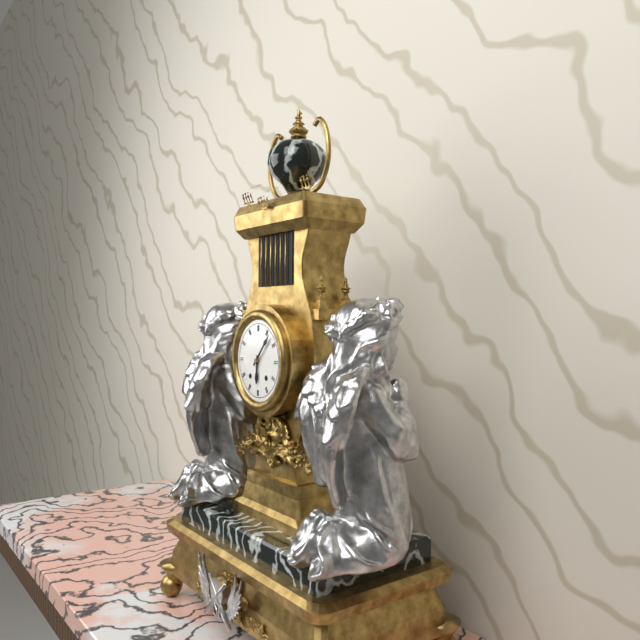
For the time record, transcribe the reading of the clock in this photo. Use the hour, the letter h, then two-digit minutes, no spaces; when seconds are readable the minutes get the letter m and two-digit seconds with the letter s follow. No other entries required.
6h07
